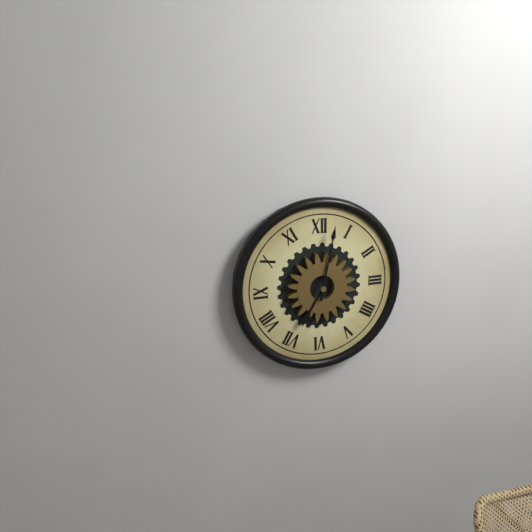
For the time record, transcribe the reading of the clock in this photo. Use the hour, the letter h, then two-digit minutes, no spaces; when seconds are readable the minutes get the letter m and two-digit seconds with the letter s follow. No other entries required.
7h02
